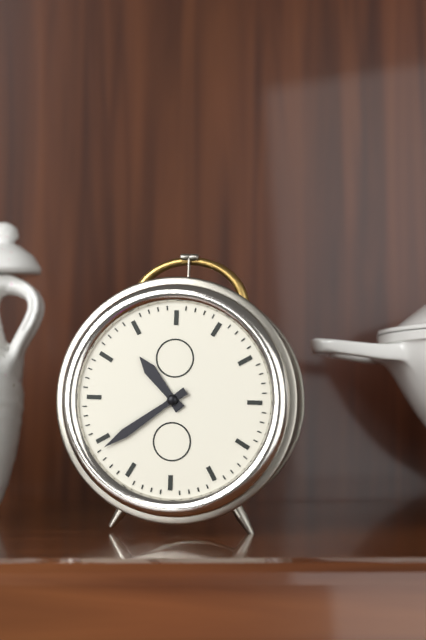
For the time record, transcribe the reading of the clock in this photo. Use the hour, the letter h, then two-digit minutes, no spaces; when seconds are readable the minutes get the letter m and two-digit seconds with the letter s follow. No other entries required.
10h39
